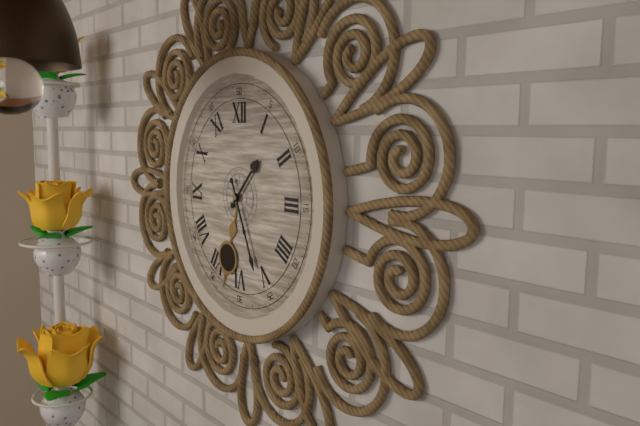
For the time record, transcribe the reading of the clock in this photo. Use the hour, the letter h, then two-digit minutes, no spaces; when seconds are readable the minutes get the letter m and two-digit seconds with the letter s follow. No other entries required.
1h26
